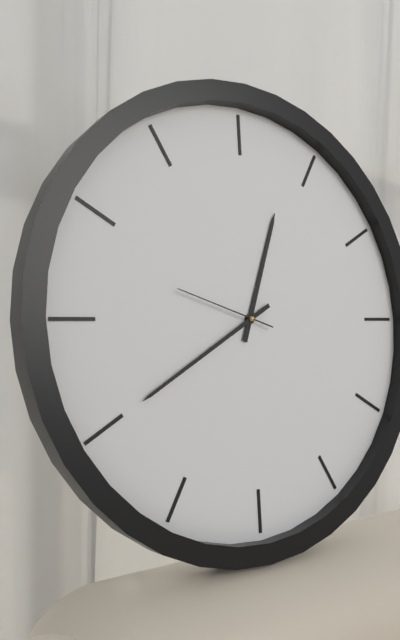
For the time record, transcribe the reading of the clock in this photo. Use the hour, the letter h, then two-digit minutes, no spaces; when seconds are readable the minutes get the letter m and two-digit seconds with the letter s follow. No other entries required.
12h40m48s
